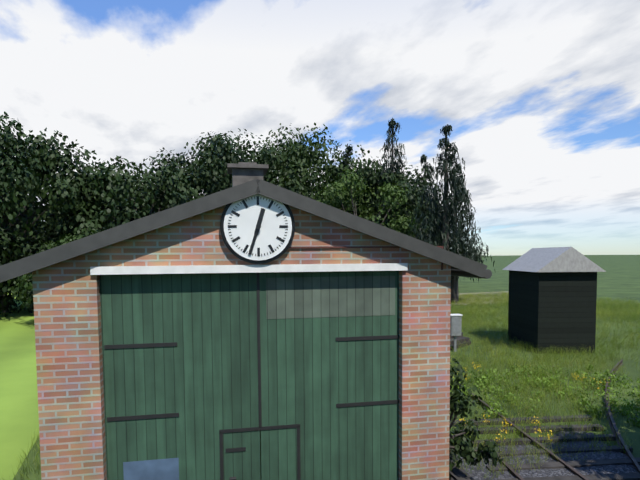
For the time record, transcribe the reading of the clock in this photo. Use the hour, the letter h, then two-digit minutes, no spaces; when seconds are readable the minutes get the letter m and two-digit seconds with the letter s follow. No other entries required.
12h33
